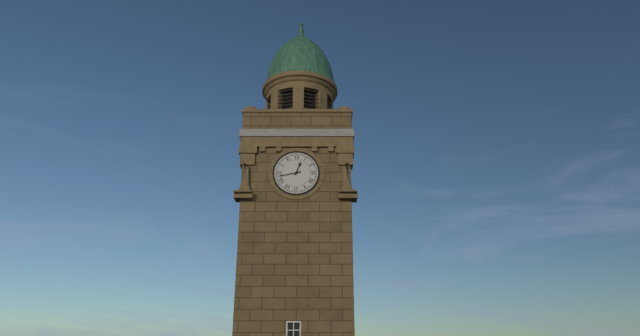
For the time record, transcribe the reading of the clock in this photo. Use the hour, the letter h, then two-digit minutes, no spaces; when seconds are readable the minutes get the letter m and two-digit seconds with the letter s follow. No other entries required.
12h43
